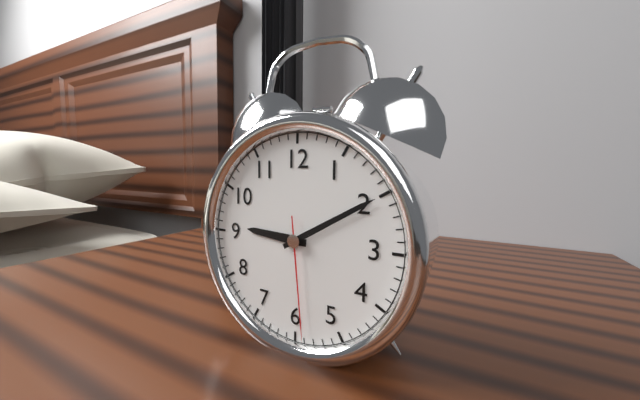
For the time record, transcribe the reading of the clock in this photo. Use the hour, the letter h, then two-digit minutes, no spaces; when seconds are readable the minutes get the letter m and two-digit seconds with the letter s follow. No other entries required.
9h10m29s
